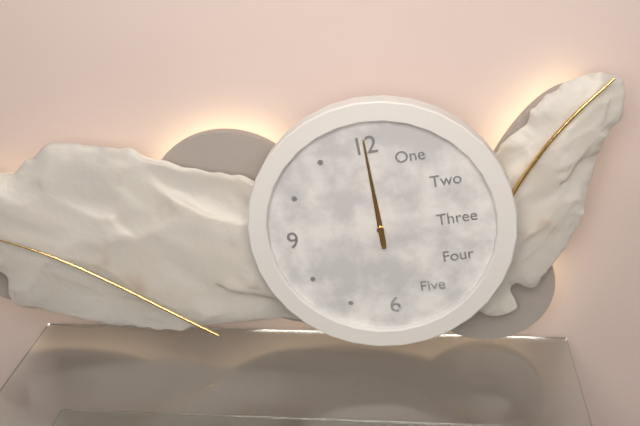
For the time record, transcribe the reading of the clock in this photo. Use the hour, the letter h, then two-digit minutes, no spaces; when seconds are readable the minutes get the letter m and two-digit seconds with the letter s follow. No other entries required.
12h00
